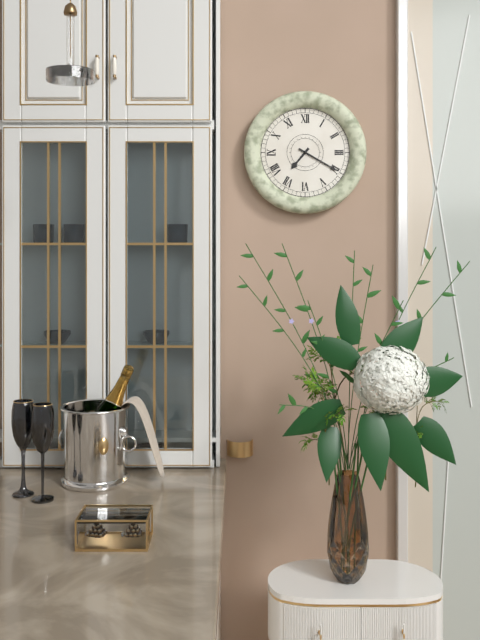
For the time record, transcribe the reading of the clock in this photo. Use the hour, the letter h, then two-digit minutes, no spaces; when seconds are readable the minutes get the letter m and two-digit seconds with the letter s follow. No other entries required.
7h20
